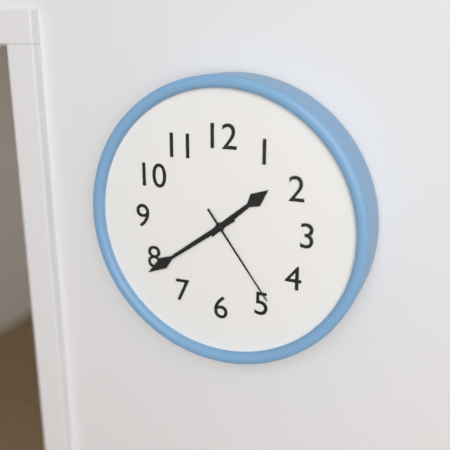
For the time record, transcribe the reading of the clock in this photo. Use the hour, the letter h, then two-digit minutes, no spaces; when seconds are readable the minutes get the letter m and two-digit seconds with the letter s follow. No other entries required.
1h39m24s
